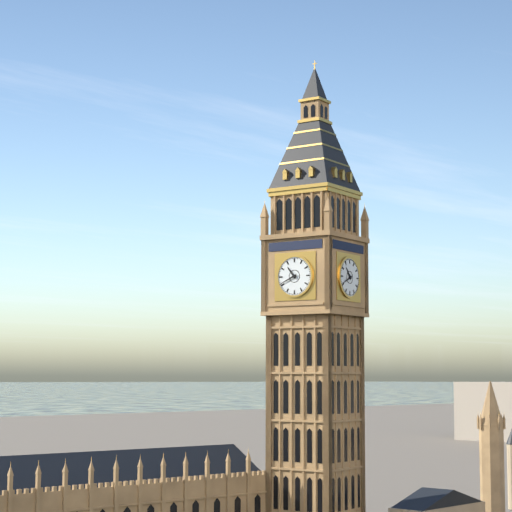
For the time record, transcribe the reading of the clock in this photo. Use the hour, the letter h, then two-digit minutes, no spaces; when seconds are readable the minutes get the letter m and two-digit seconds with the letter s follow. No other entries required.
10h41
